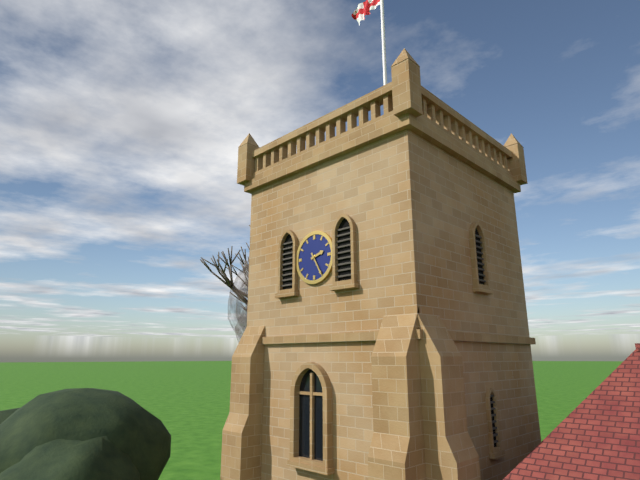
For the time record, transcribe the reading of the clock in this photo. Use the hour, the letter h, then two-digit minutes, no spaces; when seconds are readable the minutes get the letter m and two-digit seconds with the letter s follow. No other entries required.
2h25
